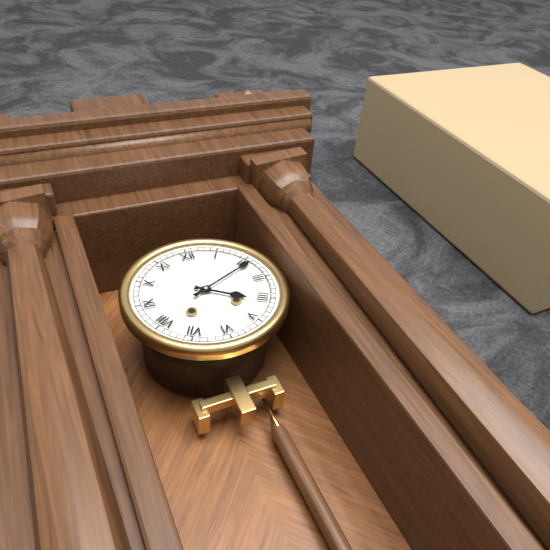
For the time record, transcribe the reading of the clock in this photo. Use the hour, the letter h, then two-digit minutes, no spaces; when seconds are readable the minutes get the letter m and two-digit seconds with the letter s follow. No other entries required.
4h11
